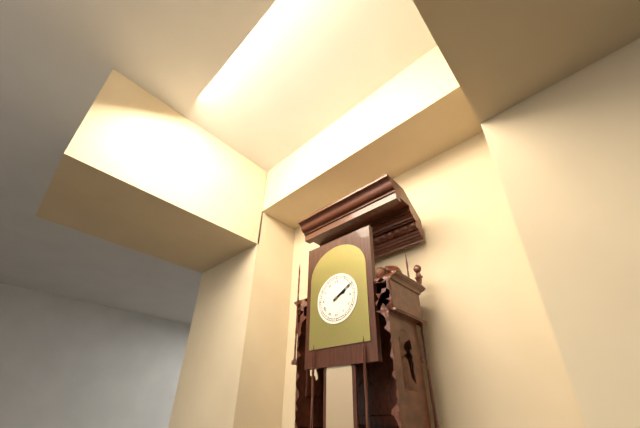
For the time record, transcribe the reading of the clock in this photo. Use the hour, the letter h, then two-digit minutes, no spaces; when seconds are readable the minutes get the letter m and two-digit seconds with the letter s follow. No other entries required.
2h10
